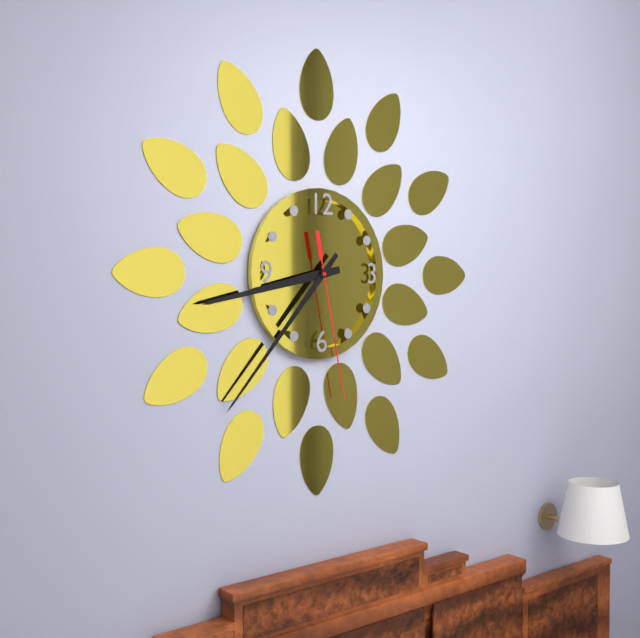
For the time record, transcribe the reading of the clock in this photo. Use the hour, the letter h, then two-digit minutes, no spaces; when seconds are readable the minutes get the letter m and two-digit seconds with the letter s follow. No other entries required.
8h37m28s
